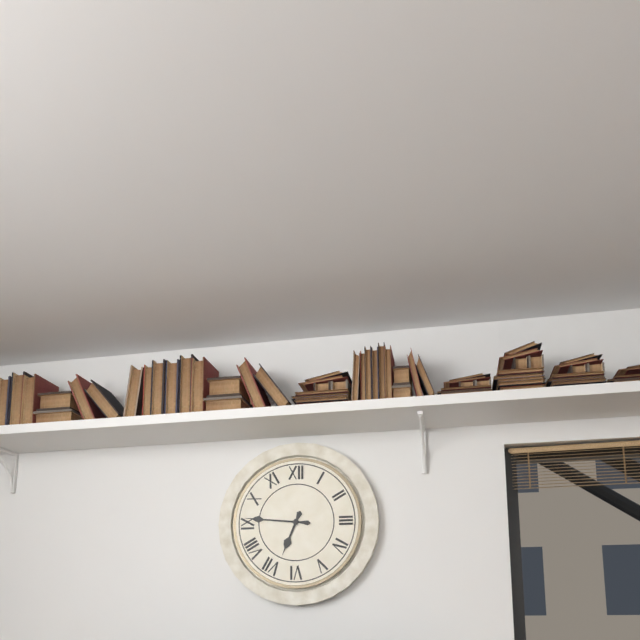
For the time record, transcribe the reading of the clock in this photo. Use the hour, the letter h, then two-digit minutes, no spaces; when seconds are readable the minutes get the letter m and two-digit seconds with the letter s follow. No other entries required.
6h46
